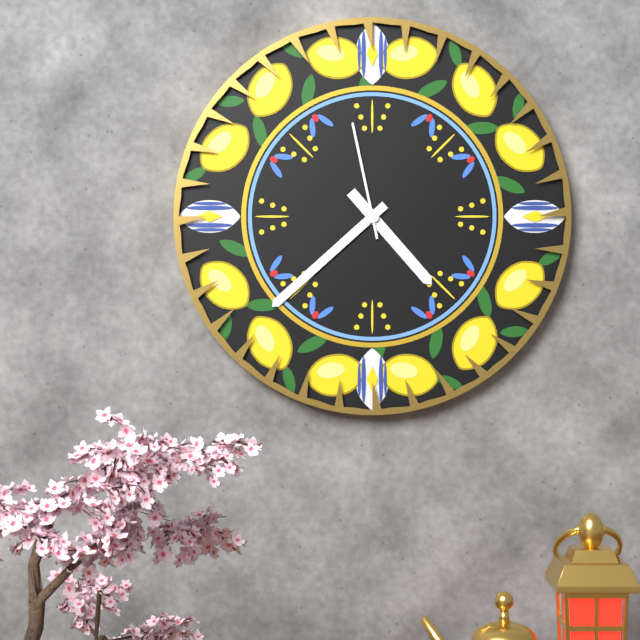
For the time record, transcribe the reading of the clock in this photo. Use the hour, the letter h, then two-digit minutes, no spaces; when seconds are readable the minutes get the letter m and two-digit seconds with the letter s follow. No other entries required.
4h38m58s
